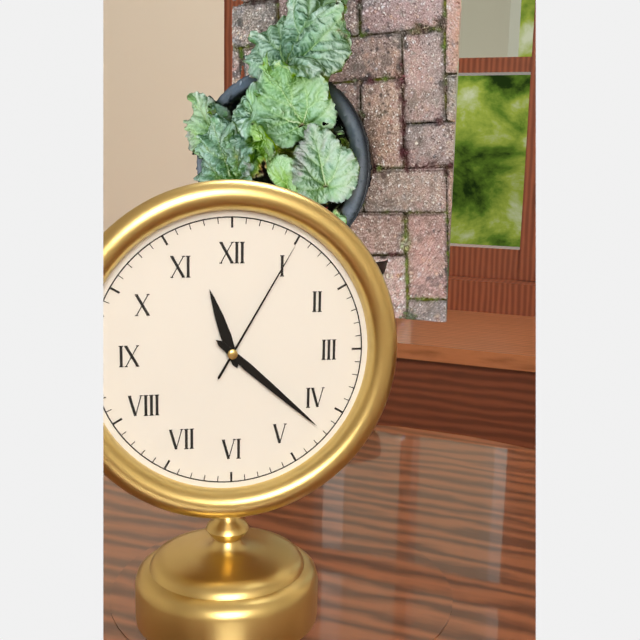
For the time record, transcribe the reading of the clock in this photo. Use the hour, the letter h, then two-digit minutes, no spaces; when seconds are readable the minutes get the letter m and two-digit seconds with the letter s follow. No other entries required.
11h22m05s
